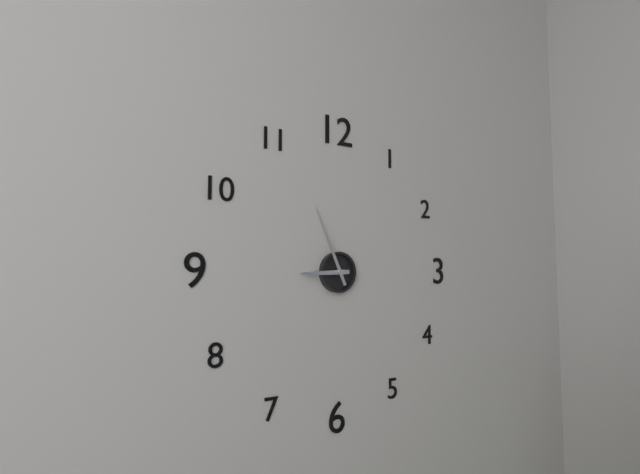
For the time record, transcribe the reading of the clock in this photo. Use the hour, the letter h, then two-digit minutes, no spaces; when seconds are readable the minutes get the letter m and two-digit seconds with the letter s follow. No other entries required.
8h56
